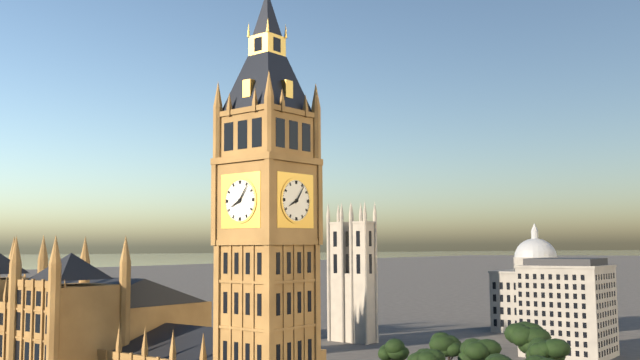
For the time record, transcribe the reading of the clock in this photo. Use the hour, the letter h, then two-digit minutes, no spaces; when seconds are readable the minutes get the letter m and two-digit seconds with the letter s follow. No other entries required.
8h06
